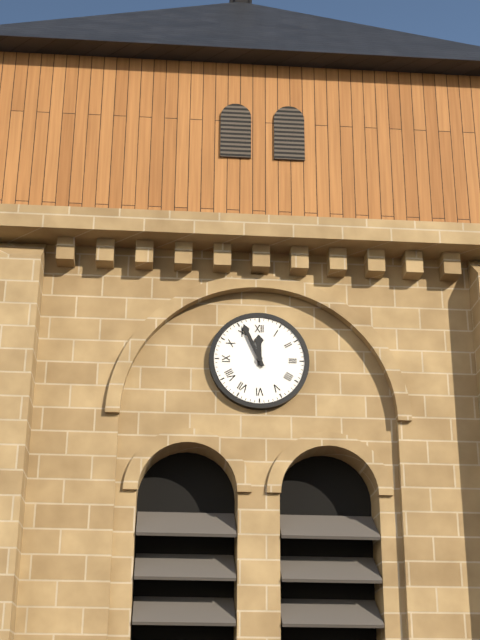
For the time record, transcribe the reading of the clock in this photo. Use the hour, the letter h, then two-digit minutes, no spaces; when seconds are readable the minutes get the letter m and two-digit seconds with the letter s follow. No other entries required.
11h56
